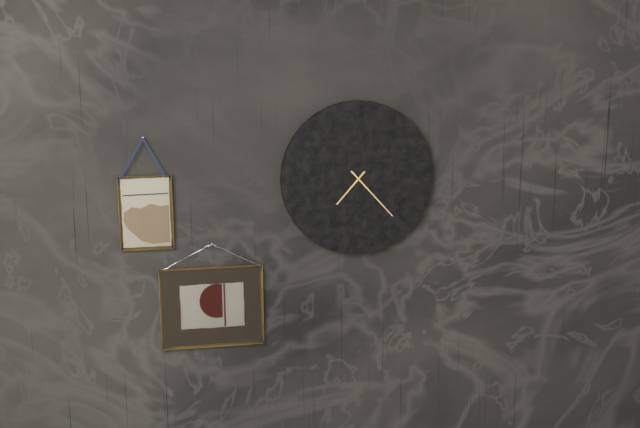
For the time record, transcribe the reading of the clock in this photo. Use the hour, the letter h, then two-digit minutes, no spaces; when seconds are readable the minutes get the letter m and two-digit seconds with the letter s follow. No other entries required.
7h23
